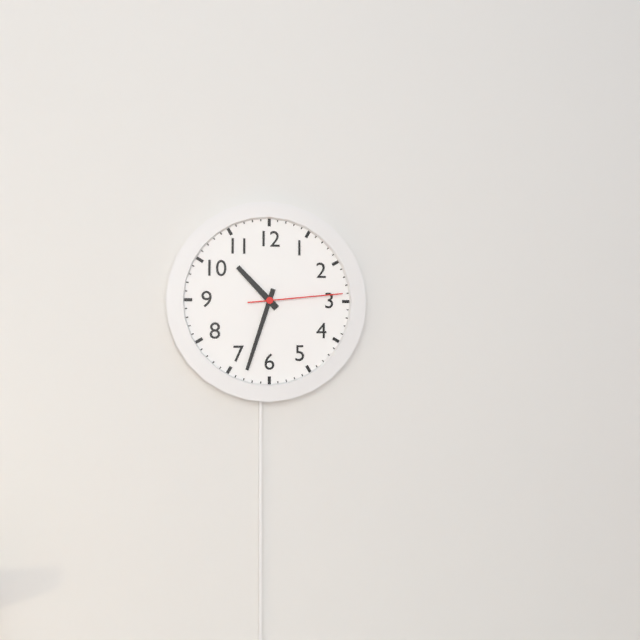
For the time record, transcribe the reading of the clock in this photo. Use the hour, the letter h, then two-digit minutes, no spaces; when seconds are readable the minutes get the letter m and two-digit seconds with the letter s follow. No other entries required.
10h33m14s
